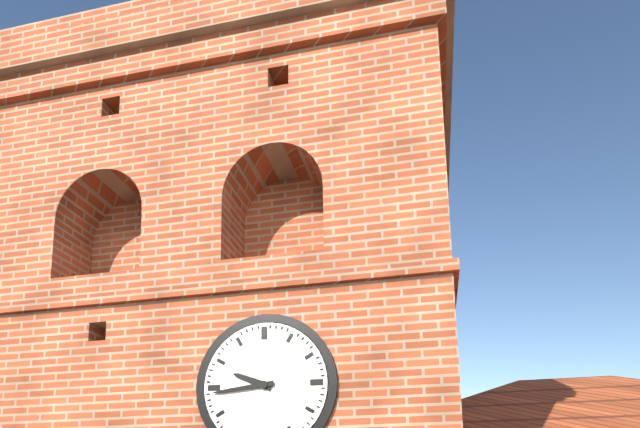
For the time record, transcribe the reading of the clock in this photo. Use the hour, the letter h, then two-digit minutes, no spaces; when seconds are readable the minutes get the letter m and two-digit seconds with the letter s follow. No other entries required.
9h44
